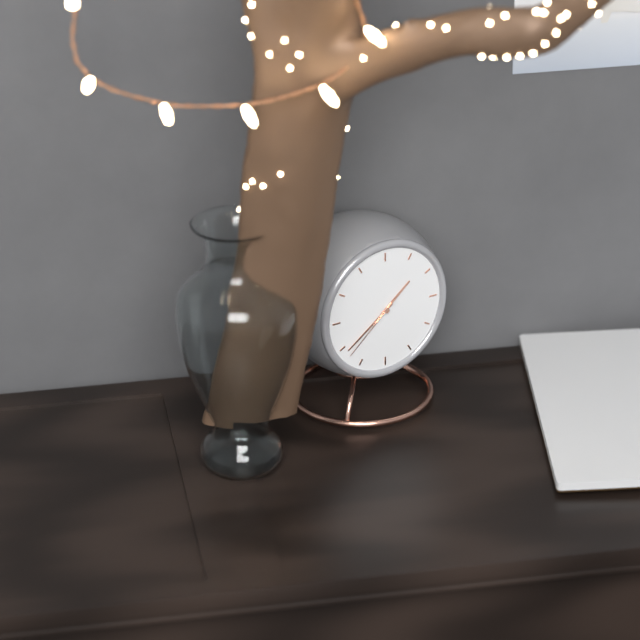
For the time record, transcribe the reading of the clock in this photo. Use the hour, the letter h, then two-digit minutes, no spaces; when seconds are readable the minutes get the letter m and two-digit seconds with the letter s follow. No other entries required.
1h39m38s
